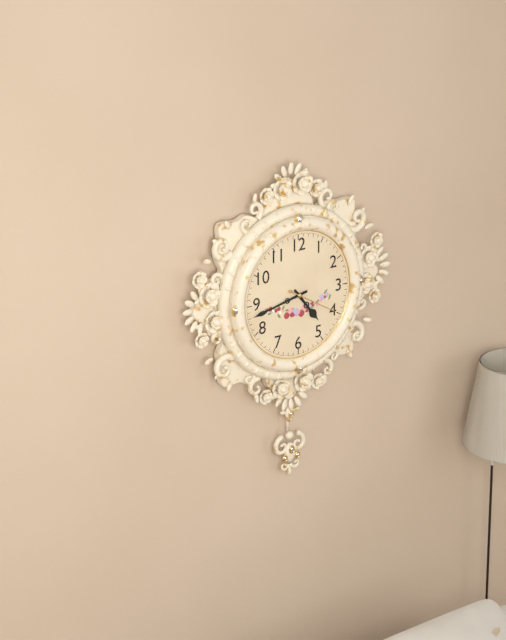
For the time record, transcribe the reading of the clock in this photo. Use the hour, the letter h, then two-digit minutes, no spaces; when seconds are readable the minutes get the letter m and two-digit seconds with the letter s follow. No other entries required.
4h43
